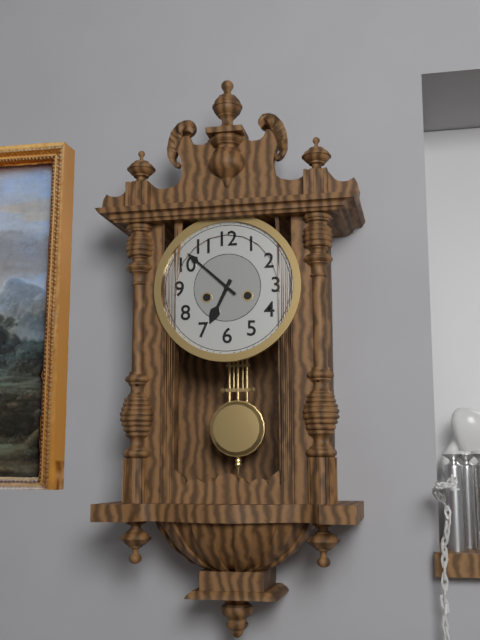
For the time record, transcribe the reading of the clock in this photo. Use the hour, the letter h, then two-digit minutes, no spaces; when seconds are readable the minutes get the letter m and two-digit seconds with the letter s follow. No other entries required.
6h52
